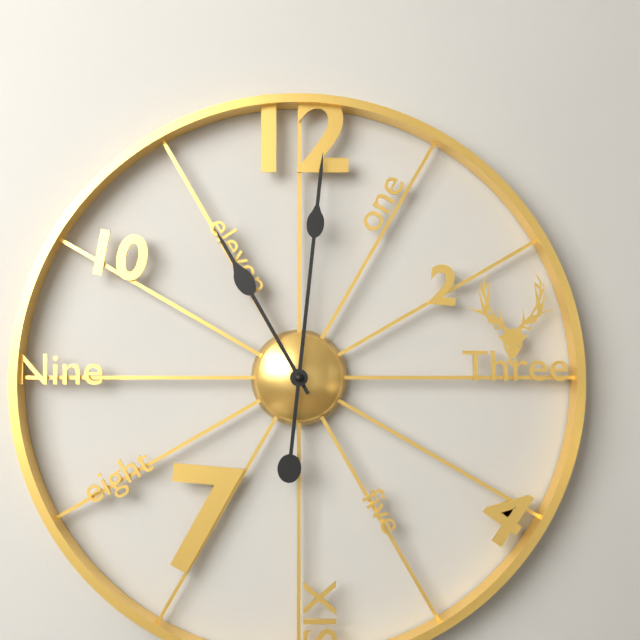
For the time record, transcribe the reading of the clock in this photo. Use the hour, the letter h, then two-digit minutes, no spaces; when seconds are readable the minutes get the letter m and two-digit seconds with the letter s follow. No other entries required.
11h01
